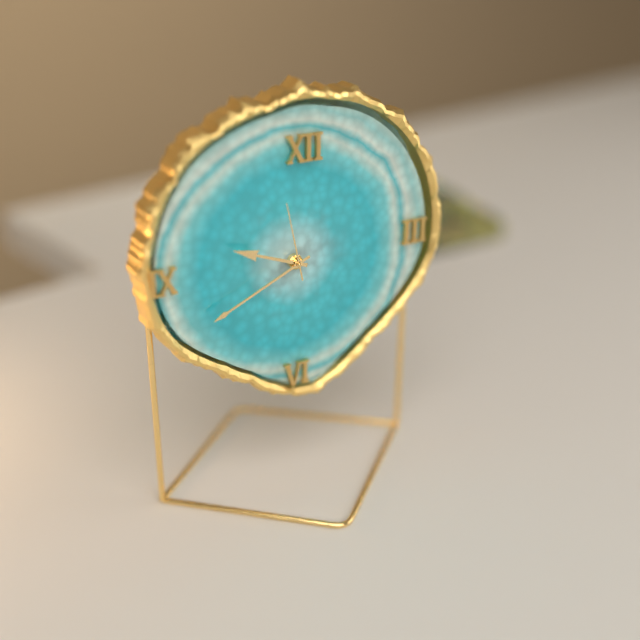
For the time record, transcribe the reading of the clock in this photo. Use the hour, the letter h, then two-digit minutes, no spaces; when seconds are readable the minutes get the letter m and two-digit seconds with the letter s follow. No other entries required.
9h41m58s
